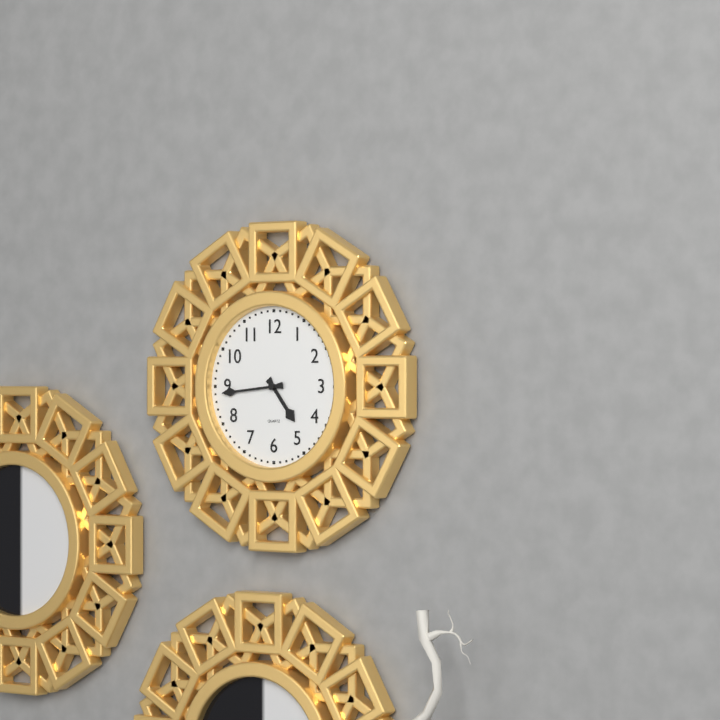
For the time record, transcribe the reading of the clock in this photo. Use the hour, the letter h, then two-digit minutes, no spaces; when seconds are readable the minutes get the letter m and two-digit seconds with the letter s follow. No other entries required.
4h44
